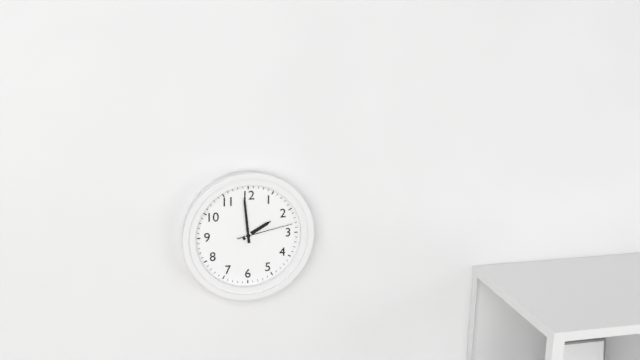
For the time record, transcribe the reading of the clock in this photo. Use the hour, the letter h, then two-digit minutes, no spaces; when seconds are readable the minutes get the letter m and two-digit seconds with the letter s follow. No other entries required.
1h59m13s
